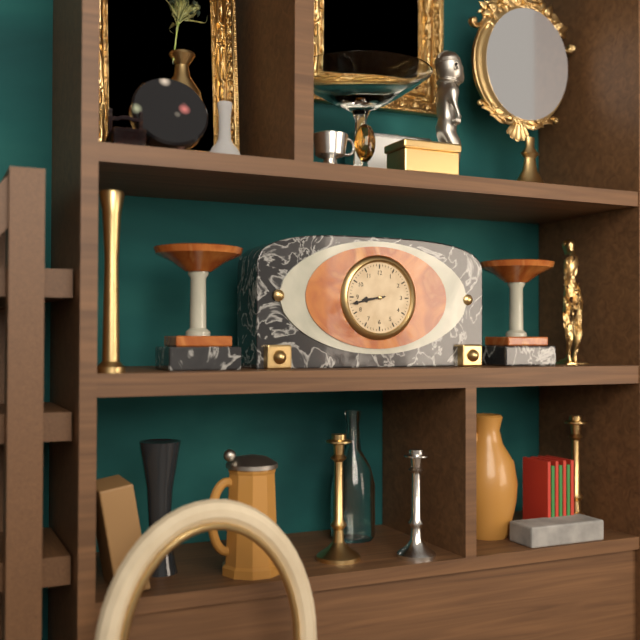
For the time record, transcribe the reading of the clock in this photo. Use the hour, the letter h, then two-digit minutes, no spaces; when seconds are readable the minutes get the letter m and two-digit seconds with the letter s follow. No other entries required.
8h43
